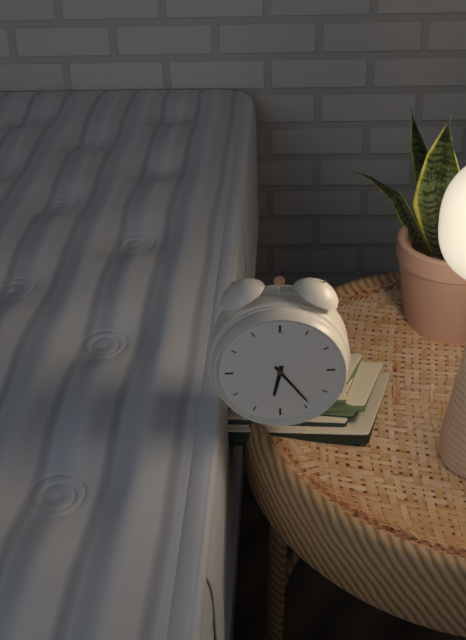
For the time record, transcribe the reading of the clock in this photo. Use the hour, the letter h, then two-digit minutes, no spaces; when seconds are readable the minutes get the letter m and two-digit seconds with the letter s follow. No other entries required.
6h24
